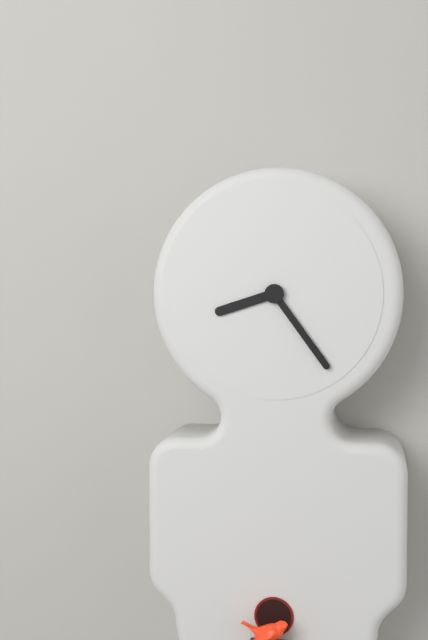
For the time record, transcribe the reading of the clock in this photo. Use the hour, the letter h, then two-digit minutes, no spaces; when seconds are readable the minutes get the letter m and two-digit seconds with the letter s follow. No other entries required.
8h24
